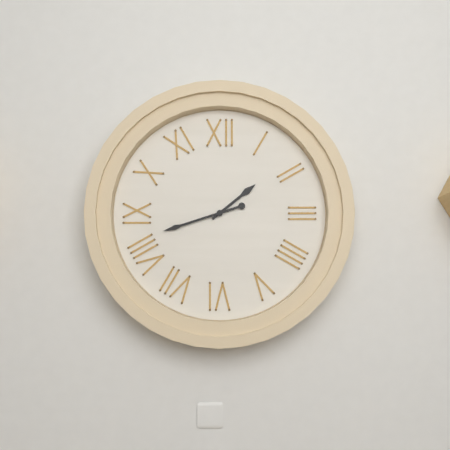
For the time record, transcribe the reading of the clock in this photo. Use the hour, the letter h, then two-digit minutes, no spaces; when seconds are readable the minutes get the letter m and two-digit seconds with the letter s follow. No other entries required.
1h42
